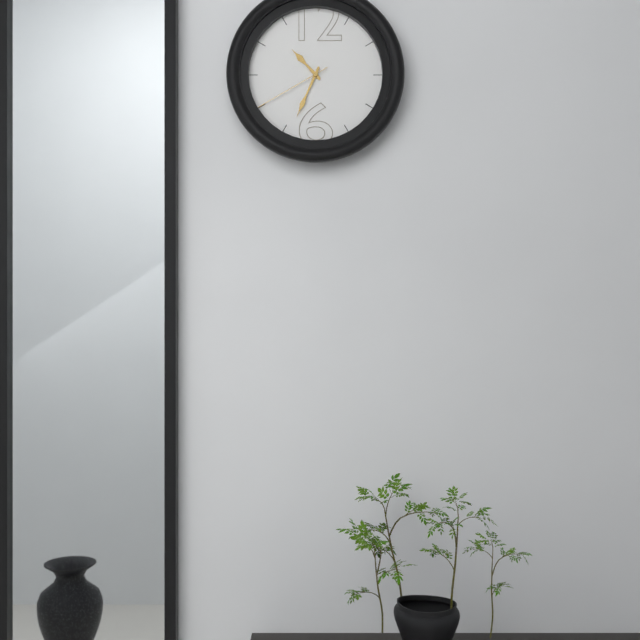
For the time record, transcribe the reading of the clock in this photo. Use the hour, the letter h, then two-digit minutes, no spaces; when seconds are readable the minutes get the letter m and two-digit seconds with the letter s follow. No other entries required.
10h34m40s
